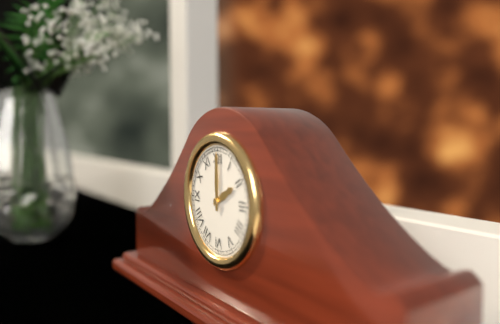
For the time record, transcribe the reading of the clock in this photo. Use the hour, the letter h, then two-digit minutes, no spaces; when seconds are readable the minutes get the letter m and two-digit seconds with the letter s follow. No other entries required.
2h00
